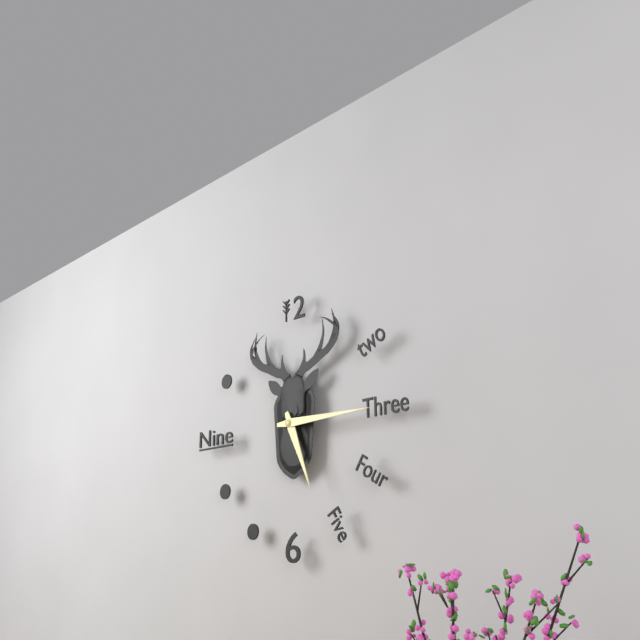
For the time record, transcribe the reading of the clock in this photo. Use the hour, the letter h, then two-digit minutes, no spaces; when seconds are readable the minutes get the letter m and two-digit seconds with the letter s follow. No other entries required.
5h15
